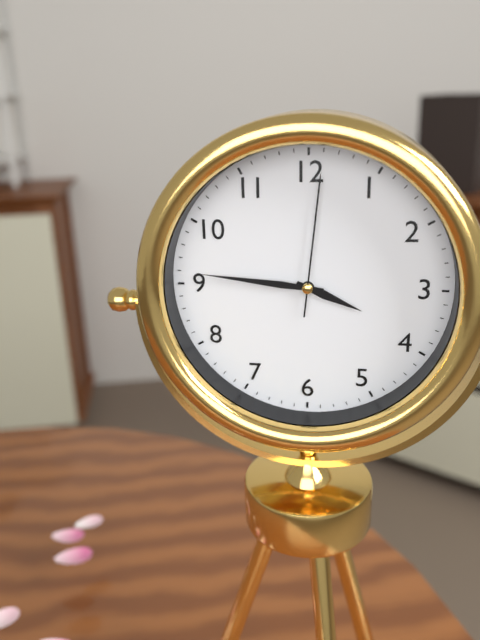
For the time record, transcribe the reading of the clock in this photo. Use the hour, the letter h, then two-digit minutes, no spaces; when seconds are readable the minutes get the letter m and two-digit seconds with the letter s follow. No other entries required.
3h46m01s
